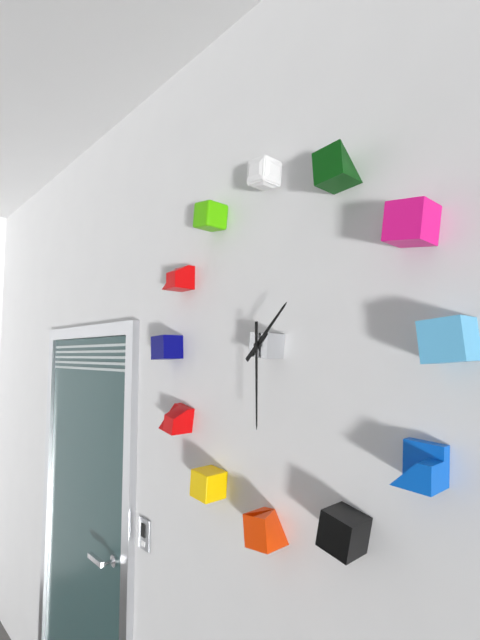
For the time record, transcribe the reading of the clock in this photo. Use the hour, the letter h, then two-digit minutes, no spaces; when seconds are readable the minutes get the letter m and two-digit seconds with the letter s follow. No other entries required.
1h30
